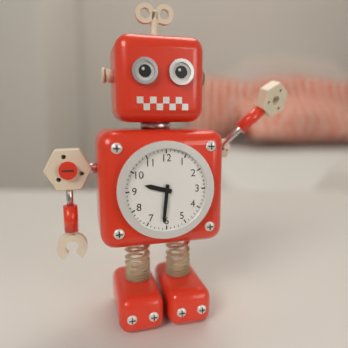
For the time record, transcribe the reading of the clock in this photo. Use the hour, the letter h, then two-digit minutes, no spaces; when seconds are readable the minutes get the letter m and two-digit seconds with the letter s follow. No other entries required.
9h31
